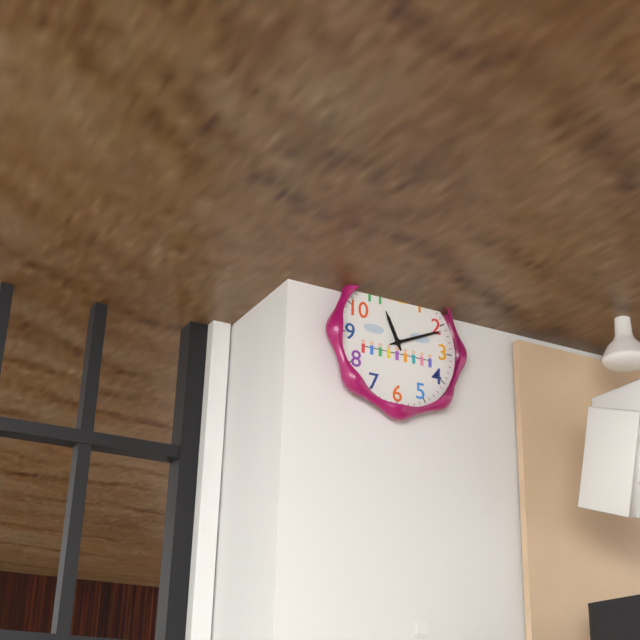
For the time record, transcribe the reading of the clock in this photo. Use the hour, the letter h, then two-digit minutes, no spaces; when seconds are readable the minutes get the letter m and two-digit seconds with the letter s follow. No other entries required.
11h11
